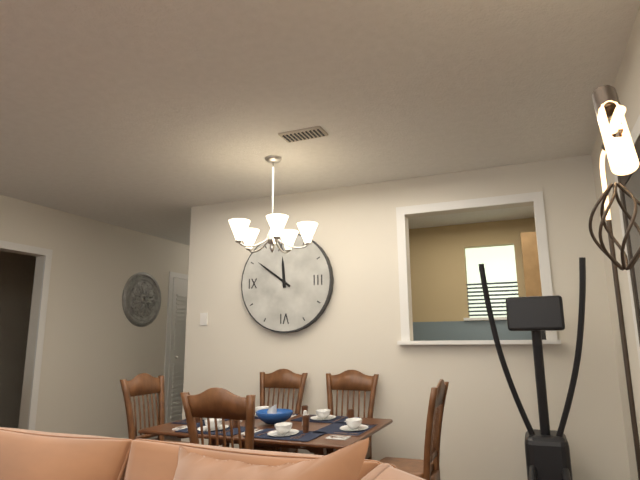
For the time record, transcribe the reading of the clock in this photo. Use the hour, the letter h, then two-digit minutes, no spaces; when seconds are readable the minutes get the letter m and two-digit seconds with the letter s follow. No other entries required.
11h51
